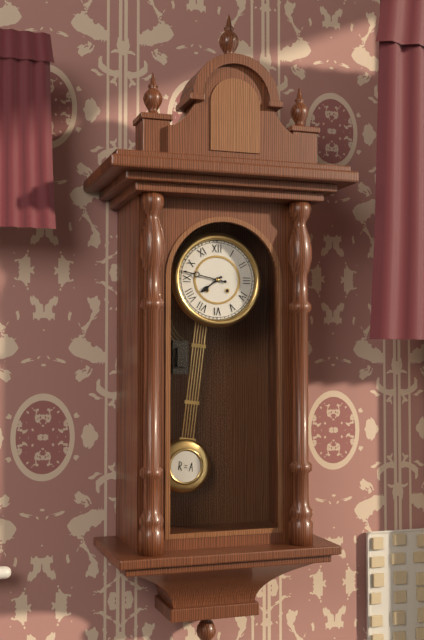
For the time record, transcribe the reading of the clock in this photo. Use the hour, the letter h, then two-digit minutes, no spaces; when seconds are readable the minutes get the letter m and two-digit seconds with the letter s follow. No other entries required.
7h47
